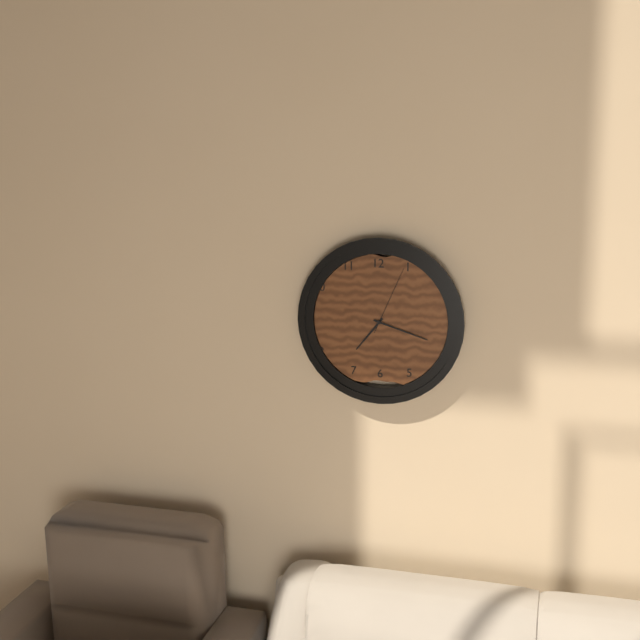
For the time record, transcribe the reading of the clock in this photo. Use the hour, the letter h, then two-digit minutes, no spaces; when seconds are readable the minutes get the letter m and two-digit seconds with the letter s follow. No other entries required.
7h18m04s
